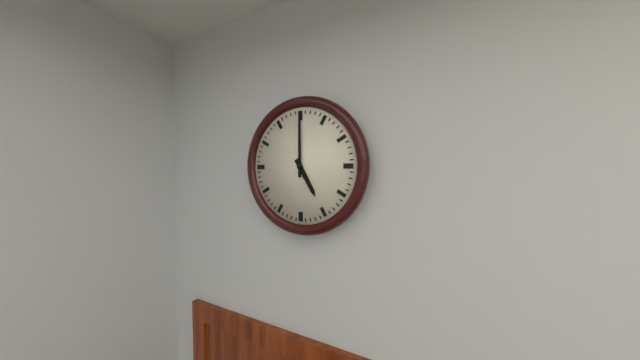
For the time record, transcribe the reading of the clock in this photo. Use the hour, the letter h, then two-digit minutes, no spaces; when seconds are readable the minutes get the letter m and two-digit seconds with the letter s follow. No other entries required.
5h00
